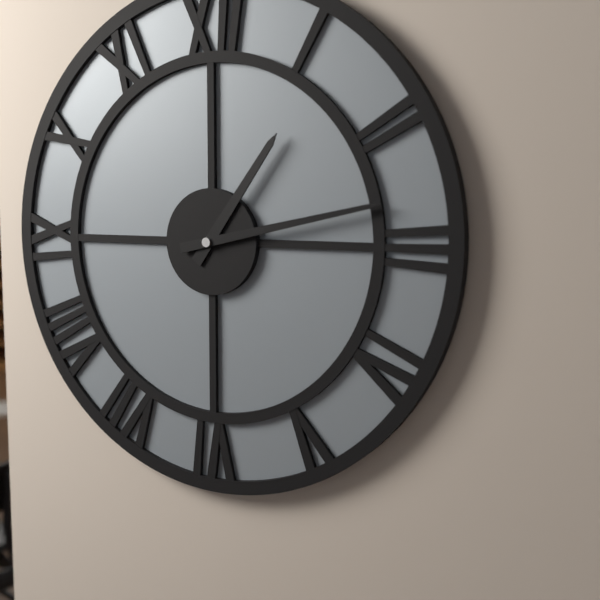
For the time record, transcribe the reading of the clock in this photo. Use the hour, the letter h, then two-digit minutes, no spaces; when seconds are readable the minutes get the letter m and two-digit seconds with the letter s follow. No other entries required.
1h13
